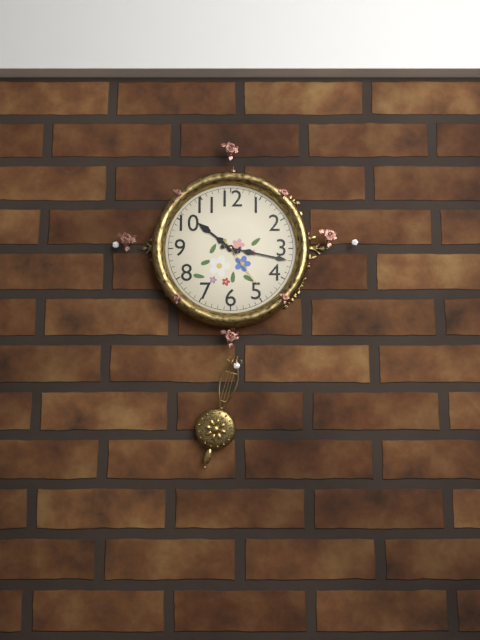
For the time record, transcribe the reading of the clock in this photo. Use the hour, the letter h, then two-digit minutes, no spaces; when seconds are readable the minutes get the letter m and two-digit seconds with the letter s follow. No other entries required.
10h17m24s
